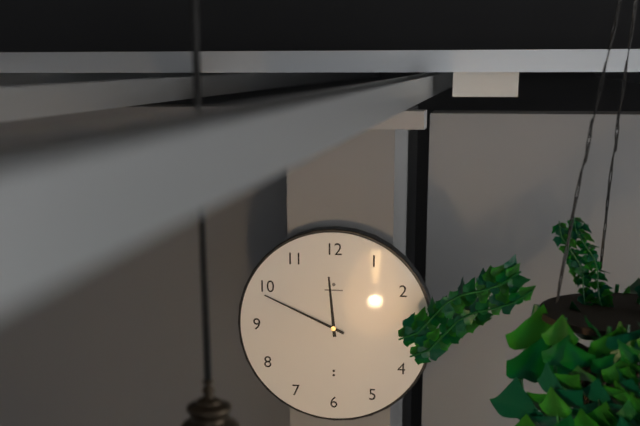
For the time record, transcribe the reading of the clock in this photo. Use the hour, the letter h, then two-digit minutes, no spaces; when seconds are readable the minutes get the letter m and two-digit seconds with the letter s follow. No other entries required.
11h49
